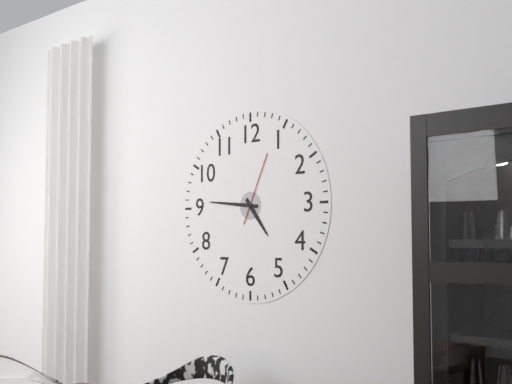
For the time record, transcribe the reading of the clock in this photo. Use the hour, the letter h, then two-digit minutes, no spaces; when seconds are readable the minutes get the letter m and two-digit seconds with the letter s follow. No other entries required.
4h46m04s
